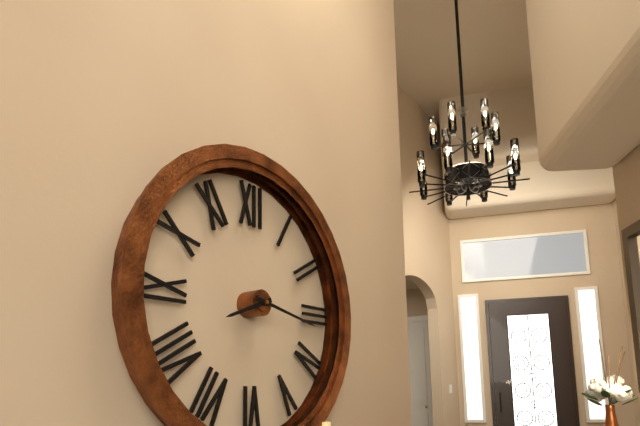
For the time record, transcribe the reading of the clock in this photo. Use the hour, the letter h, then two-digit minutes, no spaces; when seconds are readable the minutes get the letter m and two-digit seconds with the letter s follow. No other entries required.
8h17
